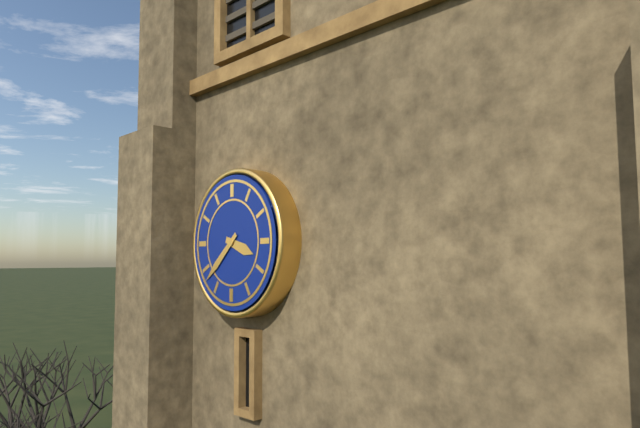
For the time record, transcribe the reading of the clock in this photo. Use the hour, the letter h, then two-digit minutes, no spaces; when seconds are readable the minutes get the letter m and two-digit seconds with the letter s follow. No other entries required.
3h38
